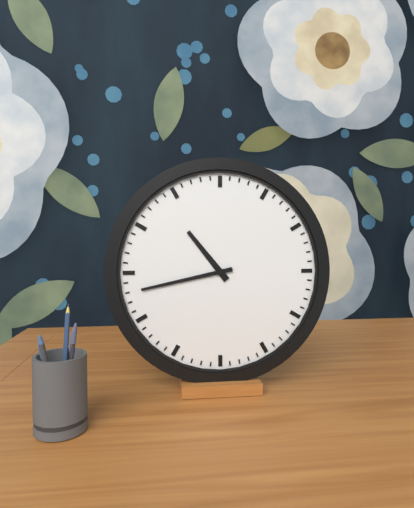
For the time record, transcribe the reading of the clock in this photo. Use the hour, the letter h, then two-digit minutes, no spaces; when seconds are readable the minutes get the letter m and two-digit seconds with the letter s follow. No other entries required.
10h43
